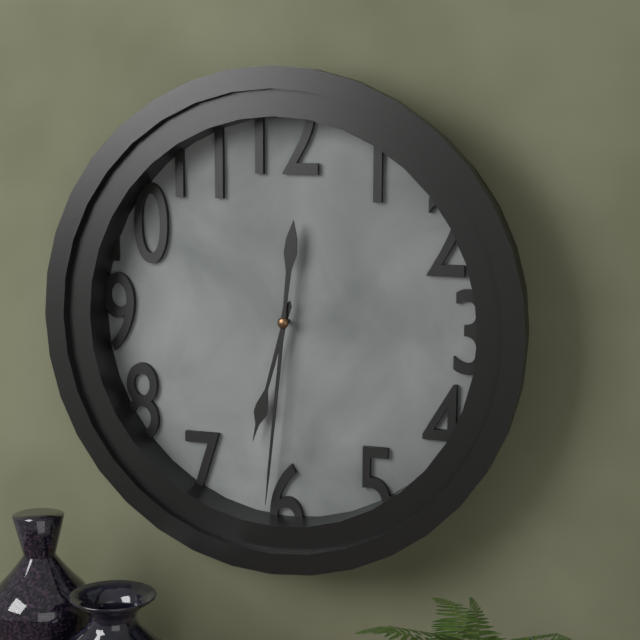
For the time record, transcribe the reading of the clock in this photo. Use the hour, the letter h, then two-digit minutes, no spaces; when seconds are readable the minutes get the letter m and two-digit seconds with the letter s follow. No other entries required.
6h31
